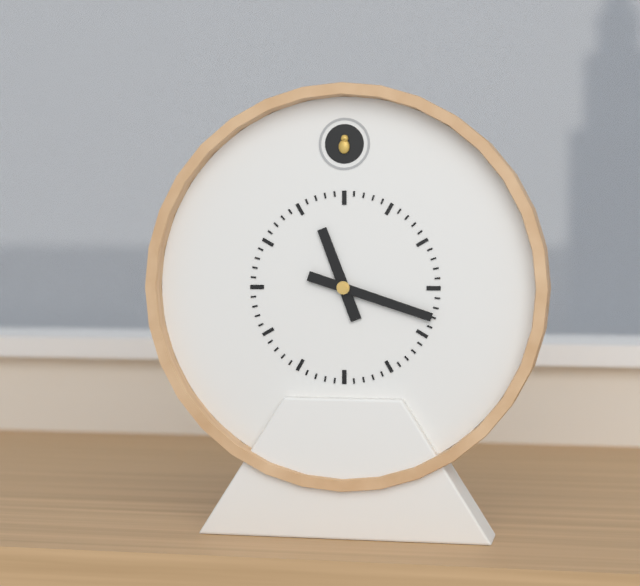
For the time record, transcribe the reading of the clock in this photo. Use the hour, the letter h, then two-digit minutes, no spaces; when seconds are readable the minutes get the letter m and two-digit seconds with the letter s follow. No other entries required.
11h18
